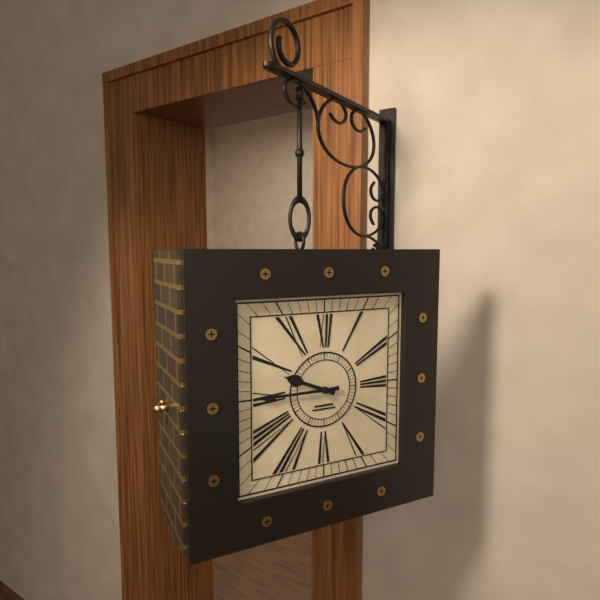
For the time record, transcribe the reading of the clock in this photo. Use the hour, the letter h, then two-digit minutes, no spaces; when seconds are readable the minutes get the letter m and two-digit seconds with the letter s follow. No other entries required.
9h45
